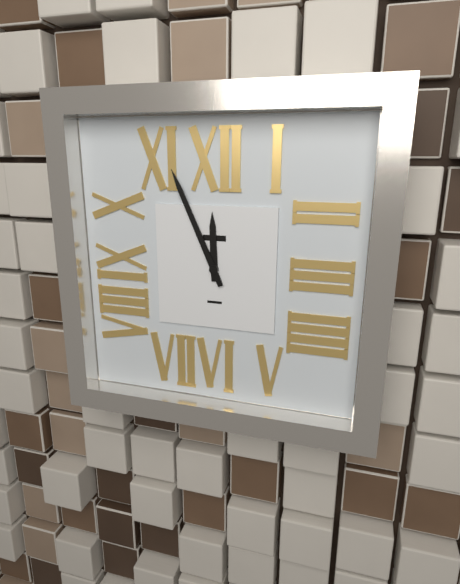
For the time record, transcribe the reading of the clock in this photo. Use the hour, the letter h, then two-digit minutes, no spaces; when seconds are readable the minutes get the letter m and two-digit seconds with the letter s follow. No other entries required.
11h56
